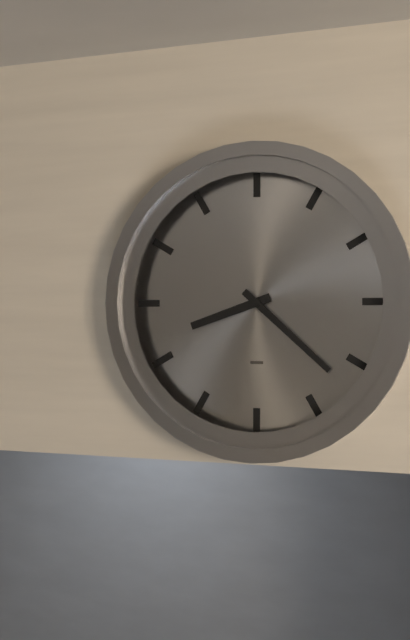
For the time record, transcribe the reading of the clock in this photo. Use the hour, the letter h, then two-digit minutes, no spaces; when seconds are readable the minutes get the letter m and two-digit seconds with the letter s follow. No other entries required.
8h22
